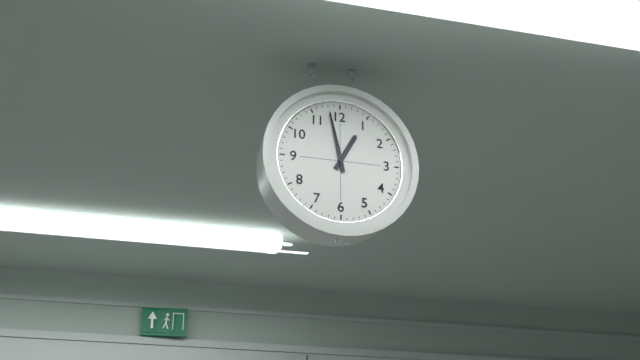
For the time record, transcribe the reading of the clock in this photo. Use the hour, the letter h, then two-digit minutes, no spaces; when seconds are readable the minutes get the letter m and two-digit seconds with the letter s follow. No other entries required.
12h58
